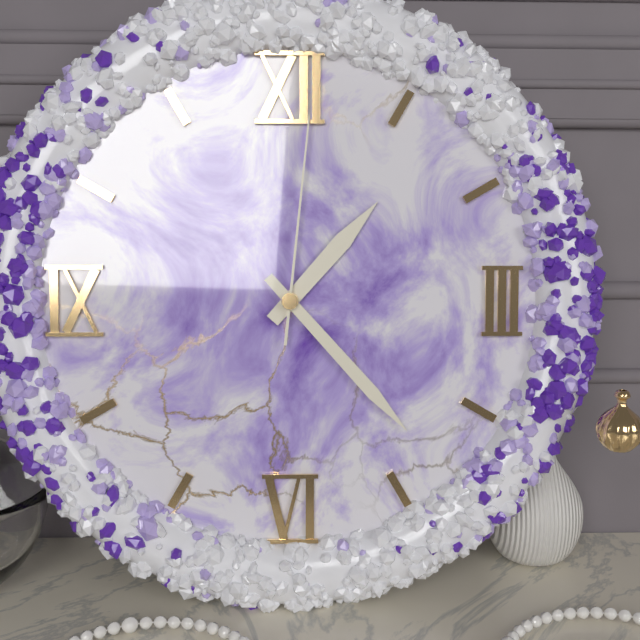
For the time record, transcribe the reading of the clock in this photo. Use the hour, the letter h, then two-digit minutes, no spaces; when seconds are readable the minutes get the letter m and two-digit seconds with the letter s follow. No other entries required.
1h23m01s
